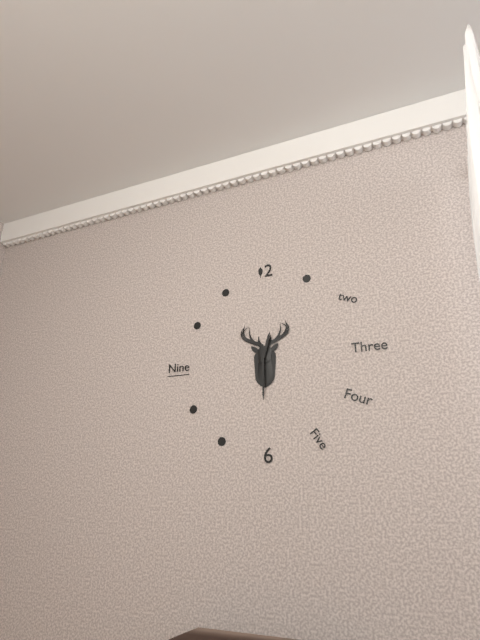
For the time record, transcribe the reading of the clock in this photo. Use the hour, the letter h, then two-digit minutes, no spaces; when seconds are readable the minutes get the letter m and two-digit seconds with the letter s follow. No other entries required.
12h30
